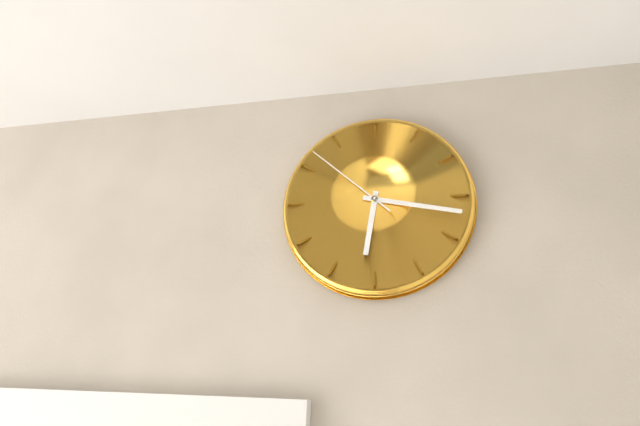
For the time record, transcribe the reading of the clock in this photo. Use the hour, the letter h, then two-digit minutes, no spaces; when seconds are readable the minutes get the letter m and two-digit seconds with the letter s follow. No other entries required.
6h17m52s
